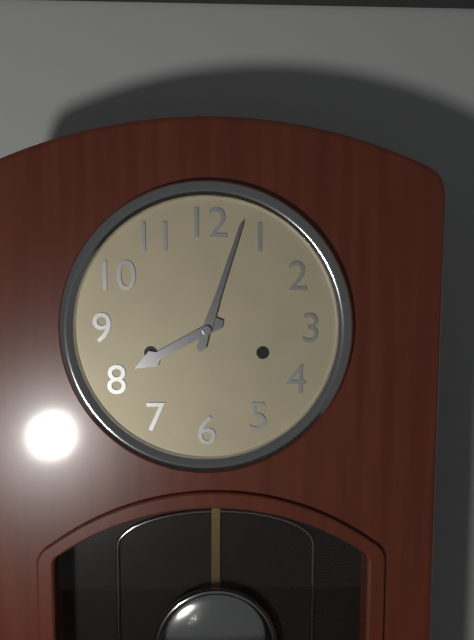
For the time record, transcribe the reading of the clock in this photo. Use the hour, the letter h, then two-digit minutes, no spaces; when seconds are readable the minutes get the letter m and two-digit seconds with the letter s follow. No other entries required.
8h03
